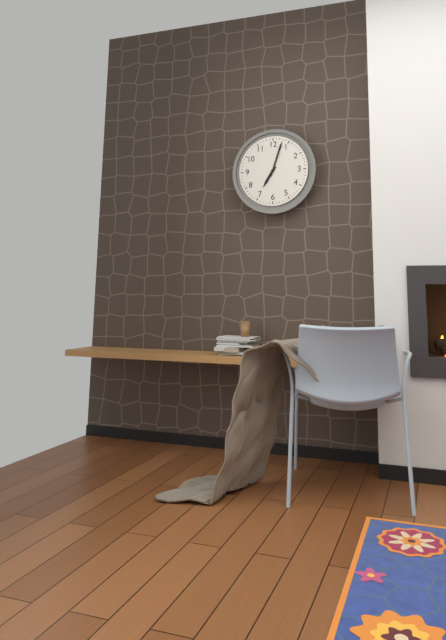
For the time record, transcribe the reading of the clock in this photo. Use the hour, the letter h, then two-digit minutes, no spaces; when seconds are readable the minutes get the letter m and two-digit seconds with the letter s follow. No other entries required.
7h03
